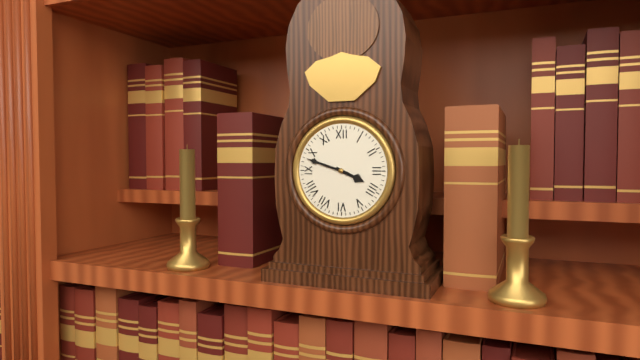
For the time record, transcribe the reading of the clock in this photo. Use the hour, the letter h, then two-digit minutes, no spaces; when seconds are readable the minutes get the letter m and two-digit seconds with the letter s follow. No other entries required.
3h48
